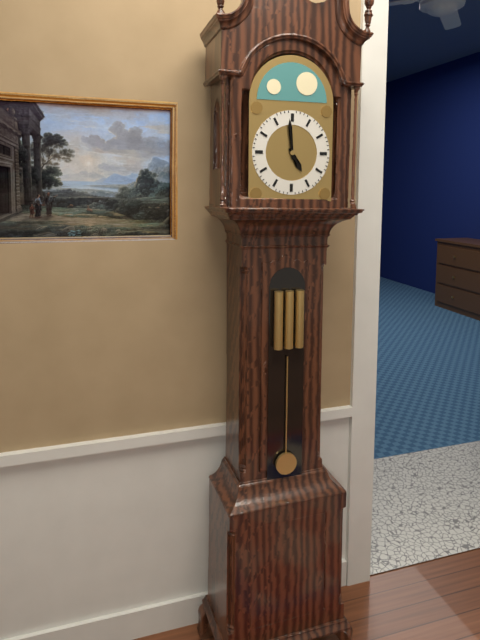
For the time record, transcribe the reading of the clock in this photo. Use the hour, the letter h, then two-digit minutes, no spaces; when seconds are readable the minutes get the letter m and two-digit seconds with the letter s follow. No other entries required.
4h59
